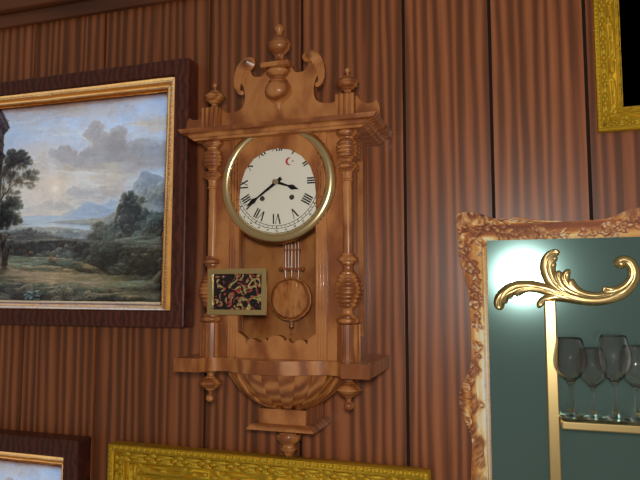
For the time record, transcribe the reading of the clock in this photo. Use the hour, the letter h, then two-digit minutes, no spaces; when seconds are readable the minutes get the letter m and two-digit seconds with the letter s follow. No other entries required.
3h39
